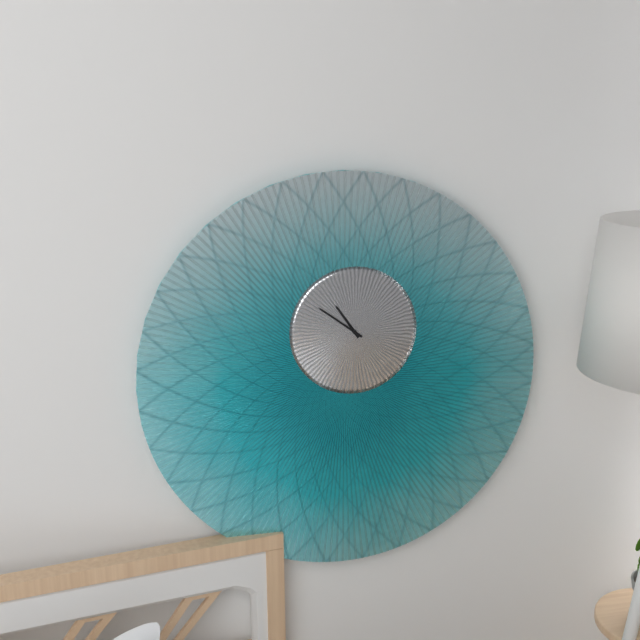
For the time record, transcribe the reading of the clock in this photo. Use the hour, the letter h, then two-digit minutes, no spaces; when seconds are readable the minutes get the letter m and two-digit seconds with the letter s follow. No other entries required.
10h51
